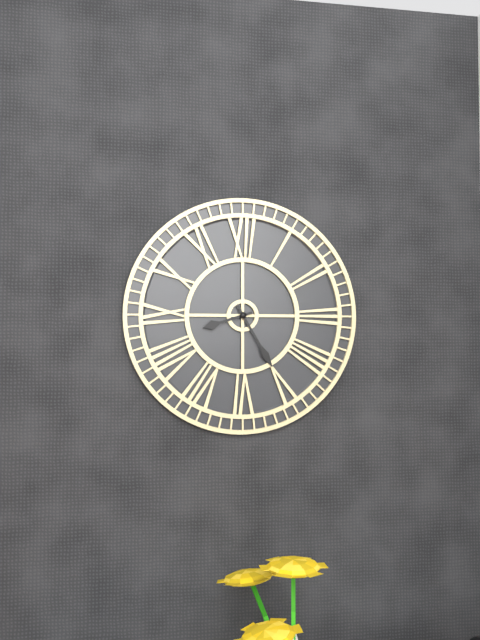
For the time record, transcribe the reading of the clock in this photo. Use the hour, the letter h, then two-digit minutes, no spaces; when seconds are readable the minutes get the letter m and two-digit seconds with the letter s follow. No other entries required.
8h25
